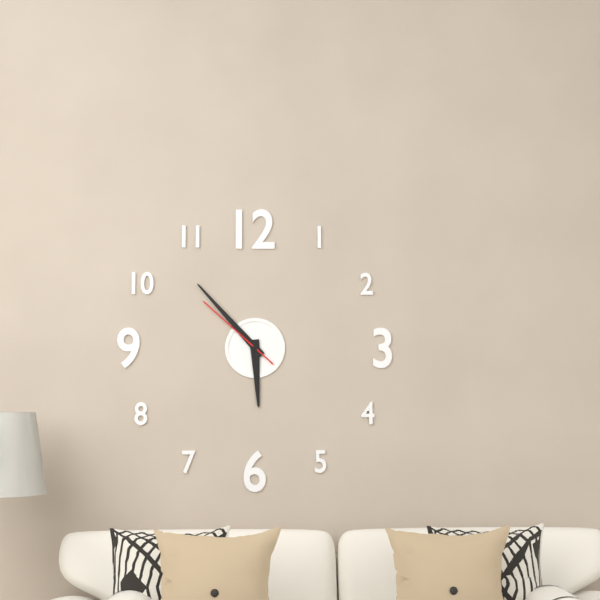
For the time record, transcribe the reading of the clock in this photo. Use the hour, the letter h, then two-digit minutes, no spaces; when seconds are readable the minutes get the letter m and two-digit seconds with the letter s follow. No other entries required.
5h53m52s
